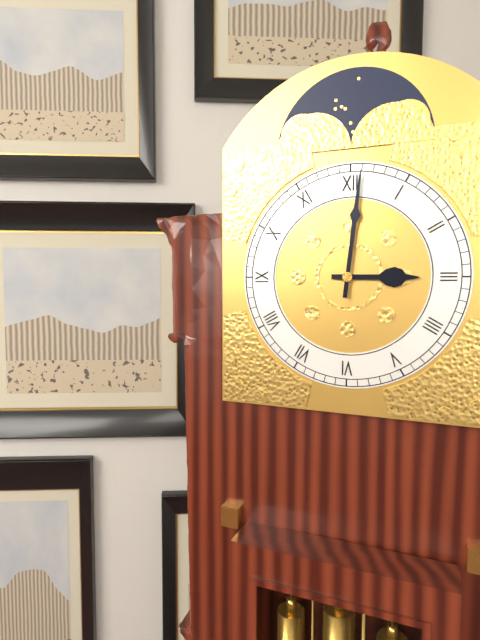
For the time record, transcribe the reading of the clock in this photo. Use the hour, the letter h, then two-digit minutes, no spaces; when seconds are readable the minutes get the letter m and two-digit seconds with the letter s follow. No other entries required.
3h01
